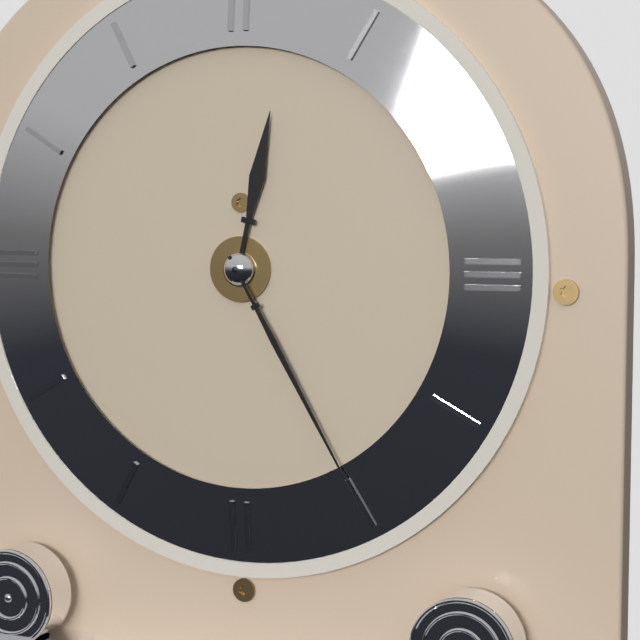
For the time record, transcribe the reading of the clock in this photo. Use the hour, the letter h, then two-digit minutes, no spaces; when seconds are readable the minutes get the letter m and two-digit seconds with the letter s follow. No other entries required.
12h25
